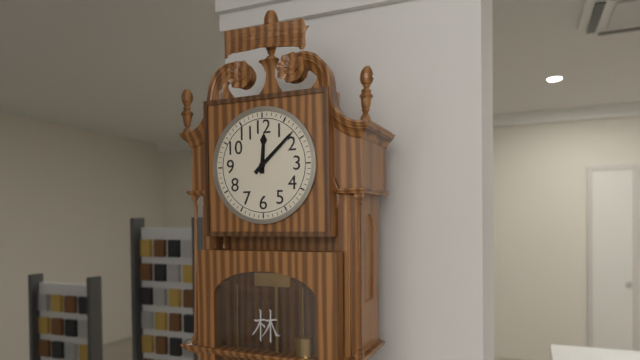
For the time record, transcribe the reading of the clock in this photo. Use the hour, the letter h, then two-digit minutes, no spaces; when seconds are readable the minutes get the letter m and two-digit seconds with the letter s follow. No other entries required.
12h08
